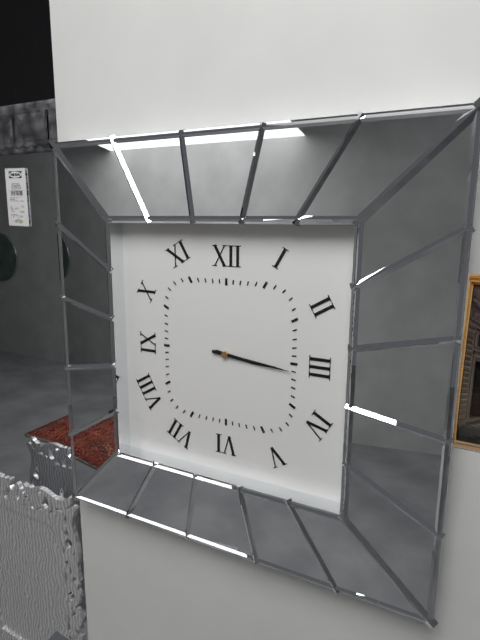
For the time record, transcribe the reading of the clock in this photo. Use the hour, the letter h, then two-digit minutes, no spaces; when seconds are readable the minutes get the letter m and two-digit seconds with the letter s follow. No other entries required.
3h16
